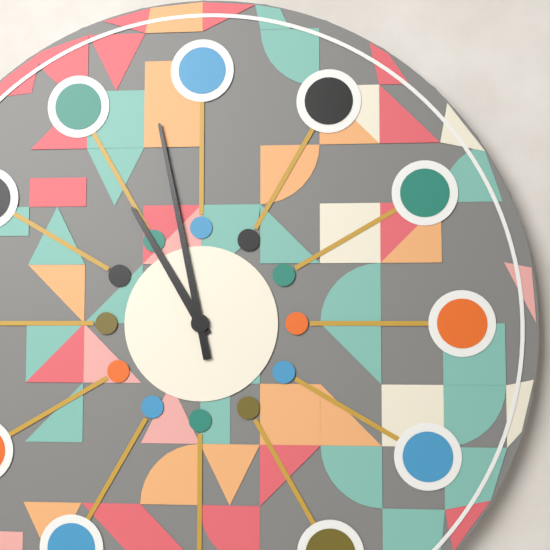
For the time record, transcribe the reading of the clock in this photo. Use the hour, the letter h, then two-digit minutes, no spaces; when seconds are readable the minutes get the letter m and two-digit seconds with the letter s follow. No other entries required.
10h58
